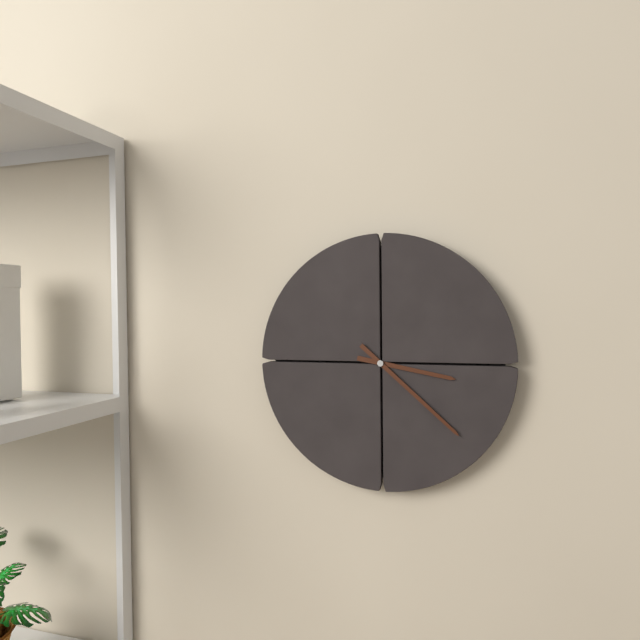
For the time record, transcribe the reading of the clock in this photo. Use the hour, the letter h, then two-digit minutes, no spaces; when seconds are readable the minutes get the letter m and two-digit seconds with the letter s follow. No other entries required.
3h22
